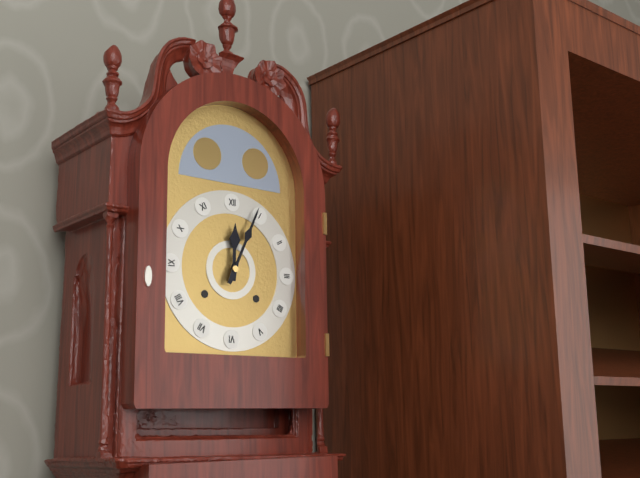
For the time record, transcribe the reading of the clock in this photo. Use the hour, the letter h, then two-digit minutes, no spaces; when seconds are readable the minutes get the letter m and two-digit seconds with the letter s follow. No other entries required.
12h04
